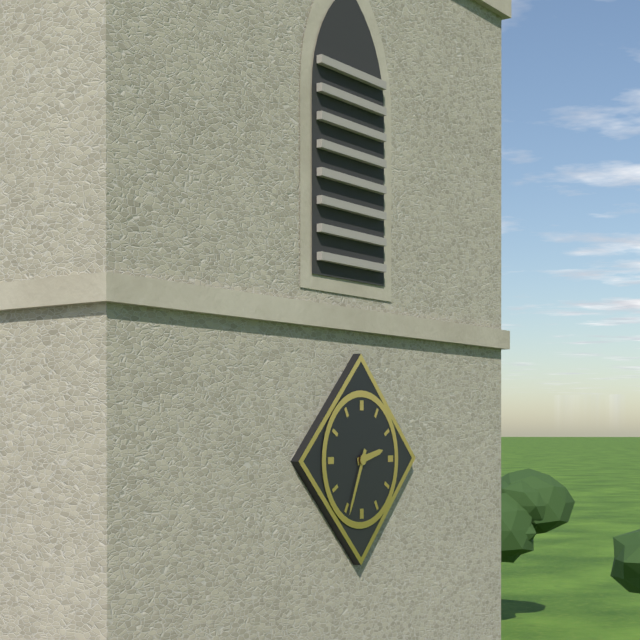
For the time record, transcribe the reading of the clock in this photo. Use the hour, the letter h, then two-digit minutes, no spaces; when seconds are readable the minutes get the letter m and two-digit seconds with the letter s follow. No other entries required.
2h34
